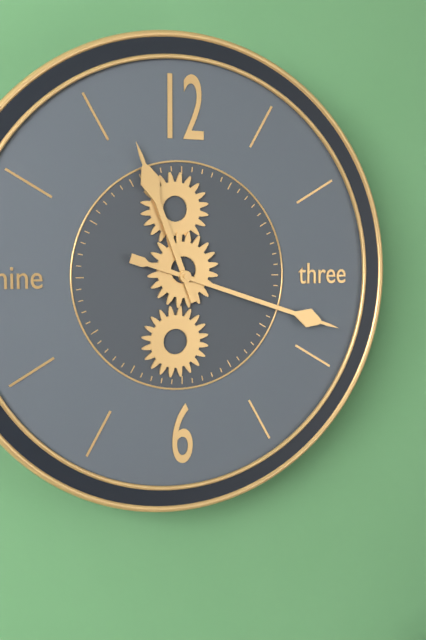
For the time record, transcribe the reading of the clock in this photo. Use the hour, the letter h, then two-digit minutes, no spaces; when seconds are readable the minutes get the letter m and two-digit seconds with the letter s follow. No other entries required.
11h18
